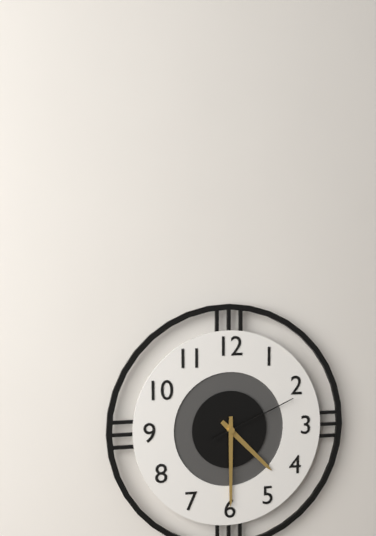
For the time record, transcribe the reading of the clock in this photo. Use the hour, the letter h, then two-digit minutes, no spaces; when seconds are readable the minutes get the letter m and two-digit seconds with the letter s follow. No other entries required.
4h30m11s
